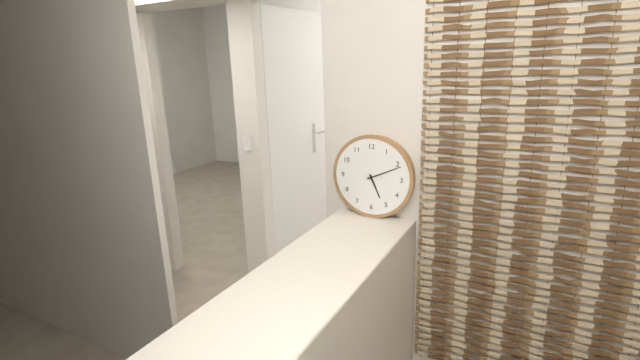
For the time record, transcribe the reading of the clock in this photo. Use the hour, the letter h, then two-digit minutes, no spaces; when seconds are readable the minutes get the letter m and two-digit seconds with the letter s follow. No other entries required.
5h11
